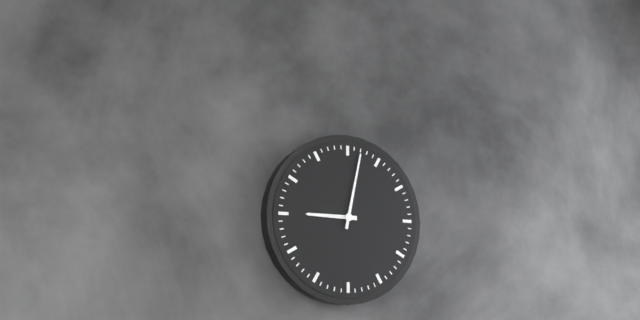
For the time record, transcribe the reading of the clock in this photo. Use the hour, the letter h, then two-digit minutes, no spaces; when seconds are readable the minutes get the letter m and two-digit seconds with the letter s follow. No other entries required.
9h02
